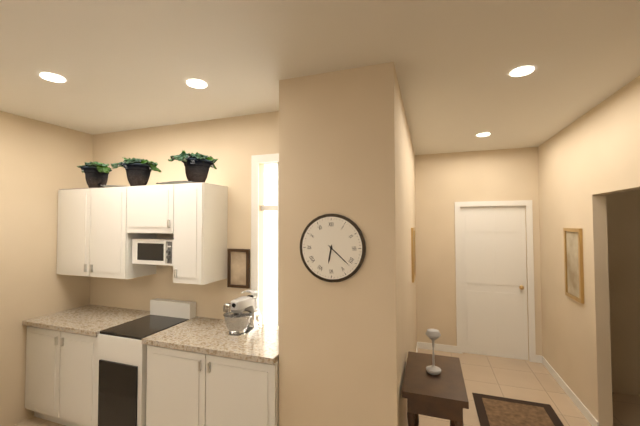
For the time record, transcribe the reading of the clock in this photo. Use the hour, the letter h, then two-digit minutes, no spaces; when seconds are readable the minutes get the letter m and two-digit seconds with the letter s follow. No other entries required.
6h22
